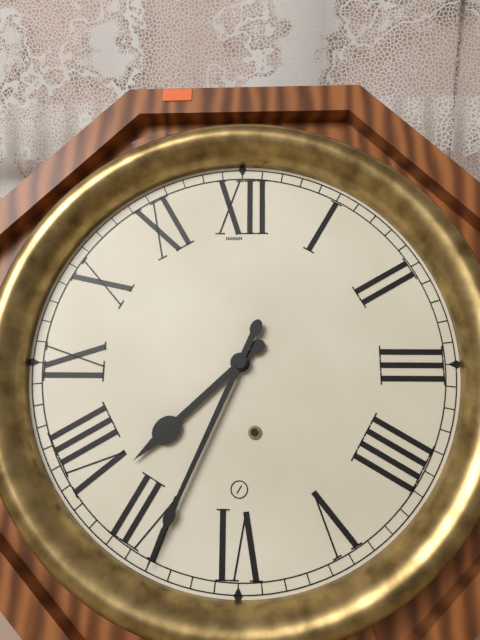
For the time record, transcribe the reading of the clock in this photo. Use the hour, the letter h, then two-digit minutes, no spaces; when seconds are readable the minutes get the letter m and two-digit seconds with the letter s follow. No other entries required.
7h34
